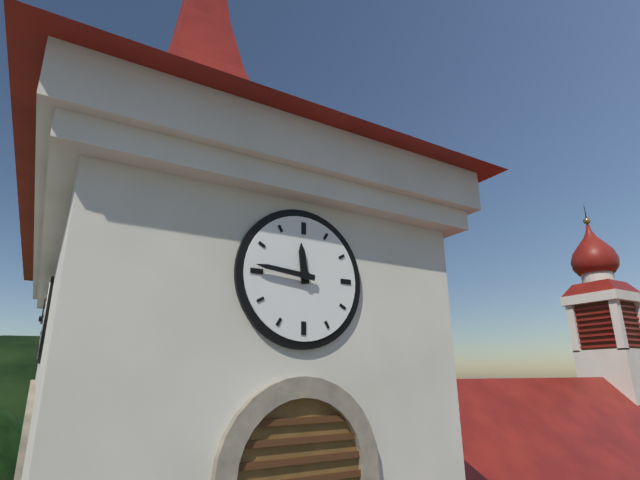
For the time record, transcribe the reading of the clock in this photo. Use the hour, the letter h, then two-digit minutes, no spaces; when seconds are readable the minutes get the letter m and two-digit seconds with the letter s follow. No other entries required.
11h46
